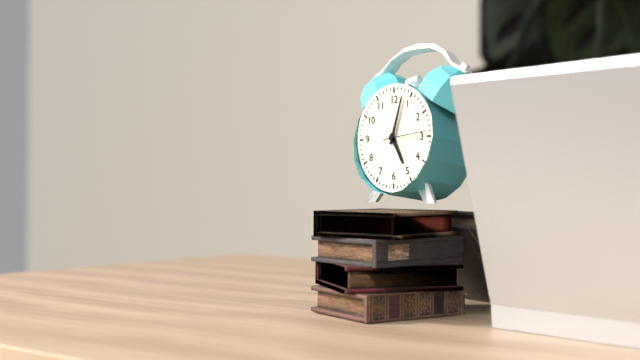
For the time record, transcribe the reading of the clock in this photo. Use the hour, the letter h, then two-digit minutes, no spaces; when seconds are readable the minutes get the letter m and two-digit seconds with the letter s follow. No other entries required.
5h03
